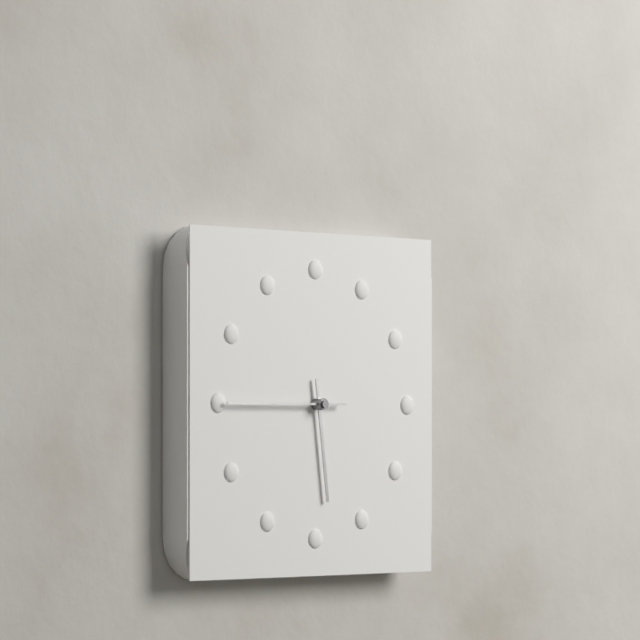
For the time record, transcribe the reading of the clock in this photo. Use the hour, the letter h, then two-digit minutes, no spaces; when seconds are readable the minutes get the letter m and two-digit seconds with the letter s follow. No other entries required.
5h45
